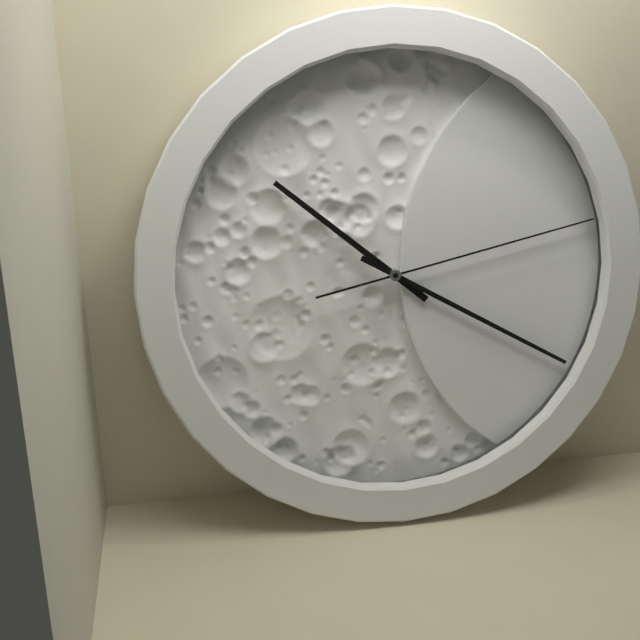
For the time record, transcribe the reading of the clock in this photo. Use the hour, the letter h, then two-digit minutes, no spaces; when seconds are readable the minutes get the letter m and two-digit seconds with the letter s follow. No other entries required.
10h20m13s
